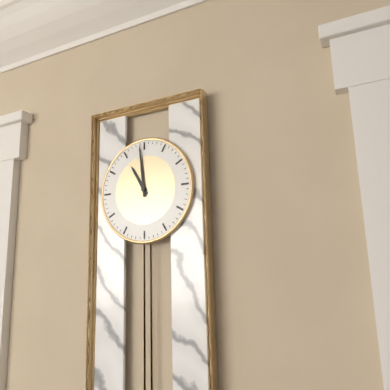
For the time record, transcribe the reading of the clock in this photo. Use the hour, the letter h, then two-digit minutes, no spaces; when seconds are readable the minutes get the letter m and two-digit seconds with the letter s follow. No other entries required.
10h59
